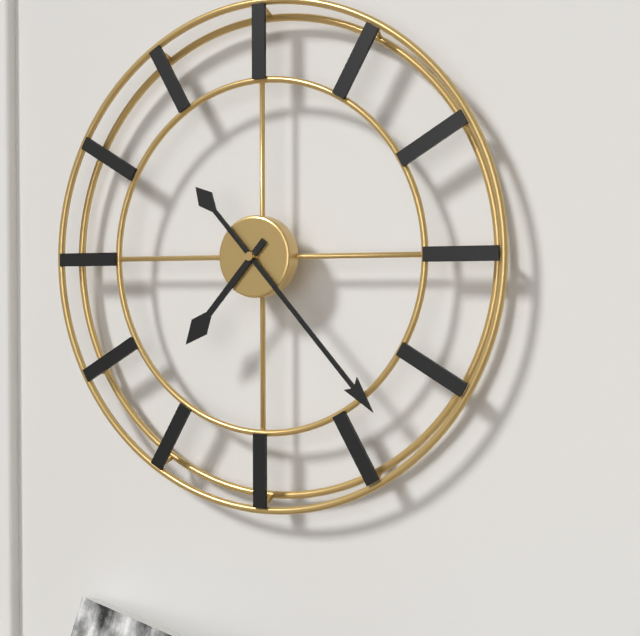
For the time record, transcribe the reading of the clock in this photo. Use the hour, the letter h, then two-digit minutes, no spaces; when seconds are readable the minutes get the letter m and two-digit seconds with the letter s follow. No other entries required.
7h23
